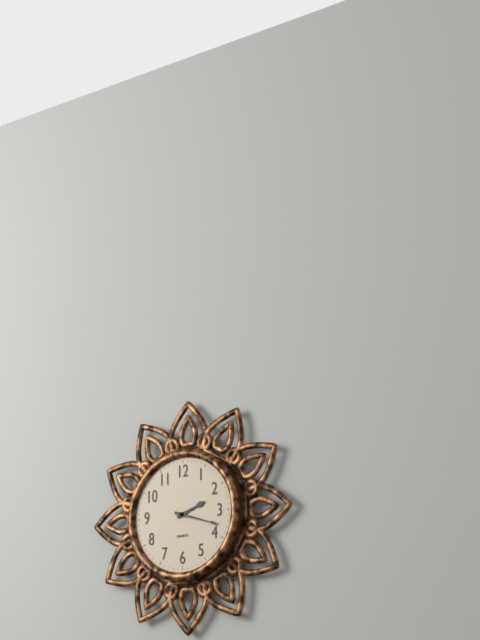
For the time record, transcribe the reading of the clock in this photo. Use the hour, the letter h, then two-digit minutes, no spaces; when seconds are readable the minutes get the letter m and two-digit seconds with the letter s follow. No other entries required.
2h18
